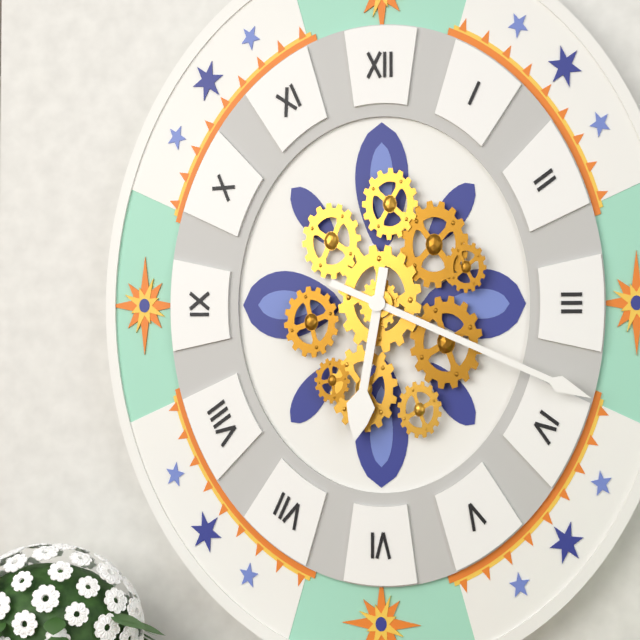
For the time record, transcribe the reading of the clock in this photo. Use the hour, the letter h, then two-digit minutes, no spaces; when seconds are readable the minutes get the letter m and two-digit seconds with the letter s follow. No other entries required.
6h19
